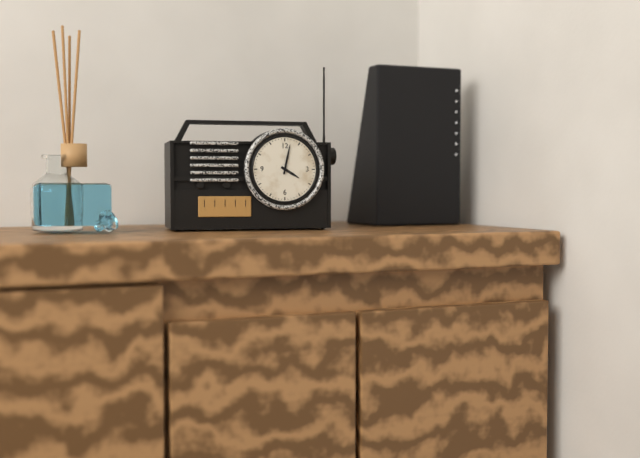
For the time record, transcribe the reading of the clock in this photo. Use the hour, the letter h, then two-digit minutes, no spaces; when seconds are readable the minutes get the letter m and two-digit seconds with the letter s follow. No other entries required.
4h02
